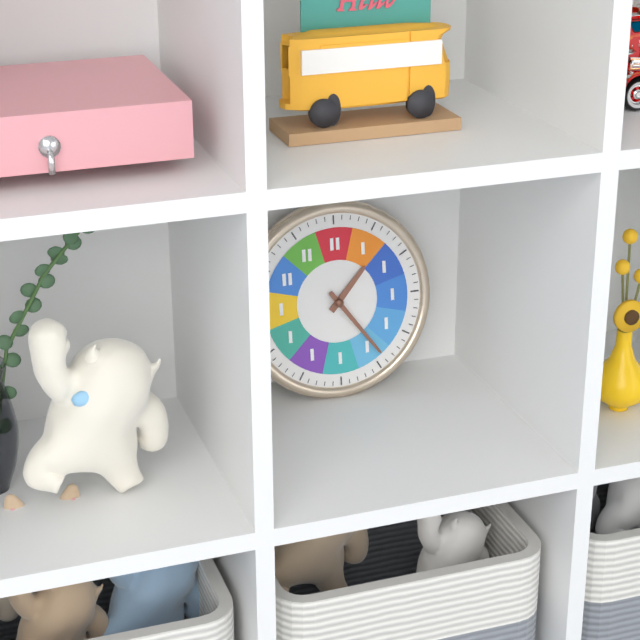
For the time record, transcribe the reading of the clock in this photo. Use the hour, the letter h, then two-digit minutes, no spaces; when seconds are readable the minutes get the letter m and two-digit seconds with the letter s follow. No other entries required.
1h24
